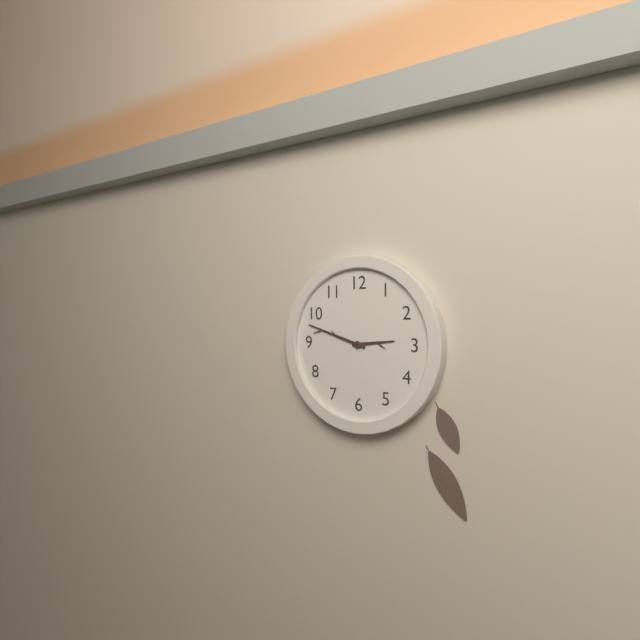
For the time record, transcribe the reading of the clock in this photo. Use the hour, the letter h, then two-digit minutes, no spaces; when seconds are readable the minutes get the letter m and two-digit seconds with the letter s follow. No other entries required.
2h48
